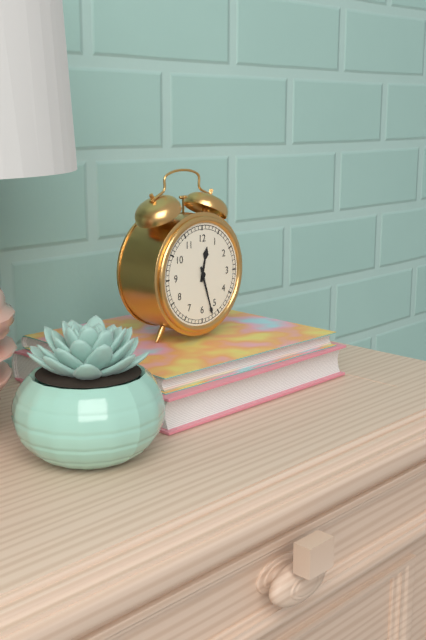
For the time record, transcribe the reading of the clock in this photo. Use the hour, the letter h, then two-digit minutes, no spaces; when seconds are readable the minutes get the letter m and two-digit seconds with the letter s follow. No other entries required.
12h27
